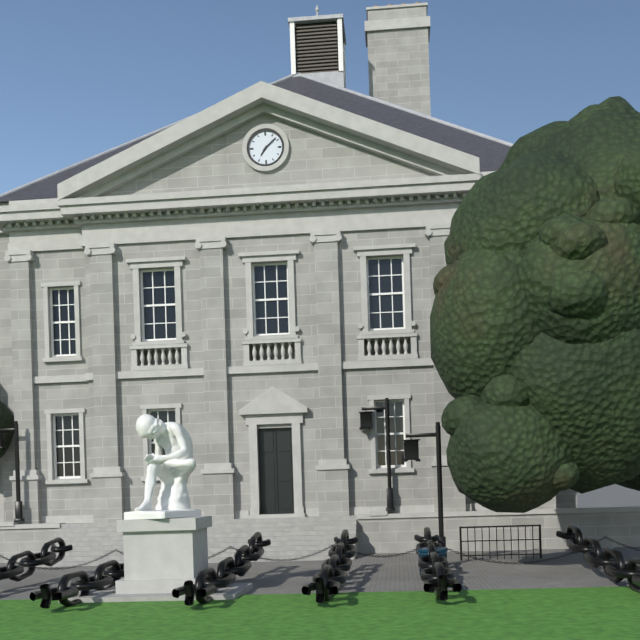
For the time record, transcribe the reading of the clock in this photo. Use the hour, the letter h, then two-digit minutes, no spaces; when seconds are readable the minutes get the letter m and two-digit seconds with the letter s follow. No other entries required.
7h08
